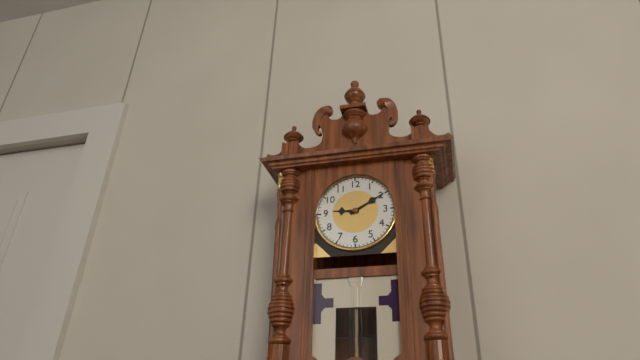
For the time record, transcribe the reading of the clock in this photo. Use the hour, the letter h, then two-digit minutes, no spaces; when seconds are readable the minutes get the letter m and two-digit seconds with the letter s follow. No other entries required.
9h10
